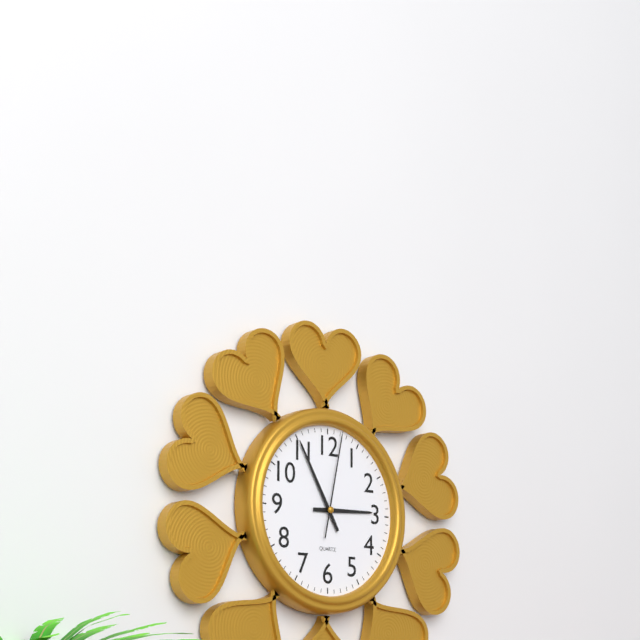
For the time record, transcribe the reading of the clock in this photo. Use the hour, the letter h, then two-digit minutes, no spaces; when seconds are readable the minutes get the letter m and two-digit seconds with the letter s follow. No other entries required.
2h55m02s
